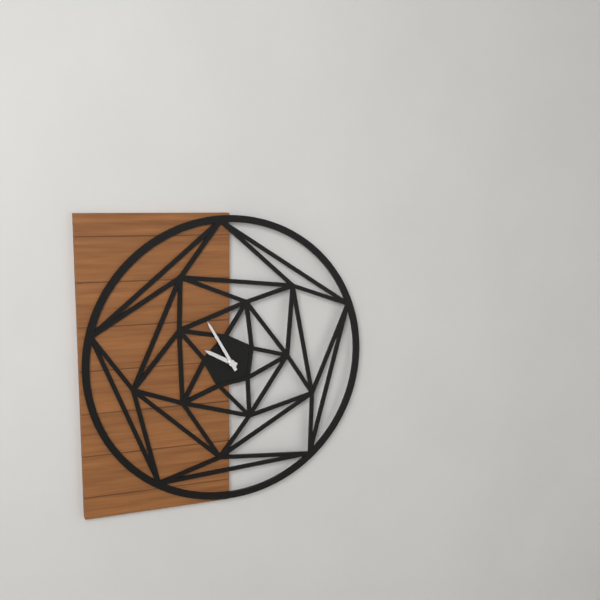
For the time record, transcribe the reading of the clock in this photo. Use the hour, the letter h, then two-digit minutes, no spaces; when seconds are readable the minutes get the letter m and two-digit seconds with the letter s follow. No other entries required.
9h55
